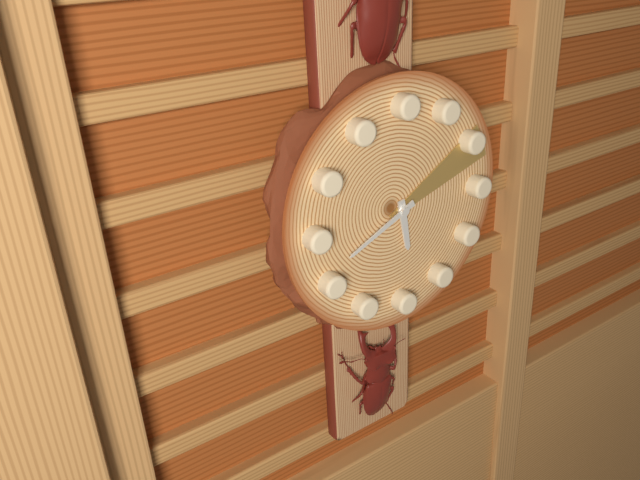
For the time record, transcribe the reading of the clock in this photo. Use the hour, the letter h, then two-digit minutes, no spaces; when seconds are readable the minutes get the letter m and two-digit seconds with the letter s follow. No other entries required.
5h41m11s
